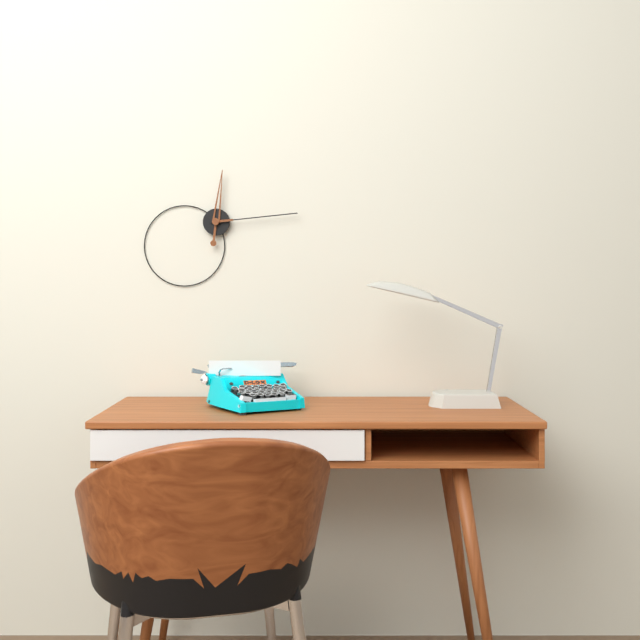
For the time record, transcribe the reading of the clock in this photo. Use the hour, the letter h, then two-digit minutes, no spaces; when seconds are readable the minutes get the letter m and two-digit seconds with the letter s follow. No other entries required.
12h14
